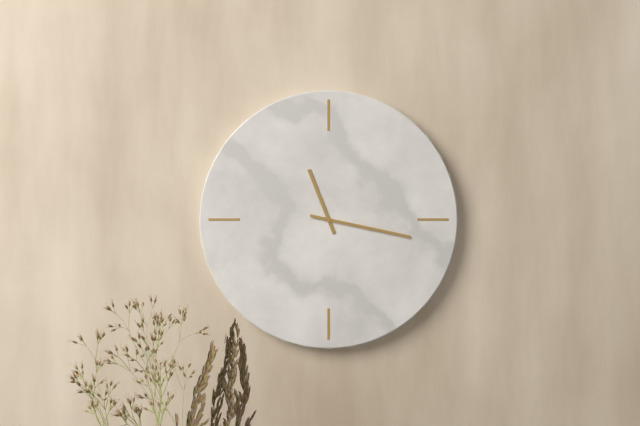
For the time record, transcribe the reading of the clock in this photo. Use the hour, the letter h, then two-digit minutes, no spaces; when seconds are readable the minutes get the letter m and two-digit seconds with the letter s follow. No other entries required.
11h17
